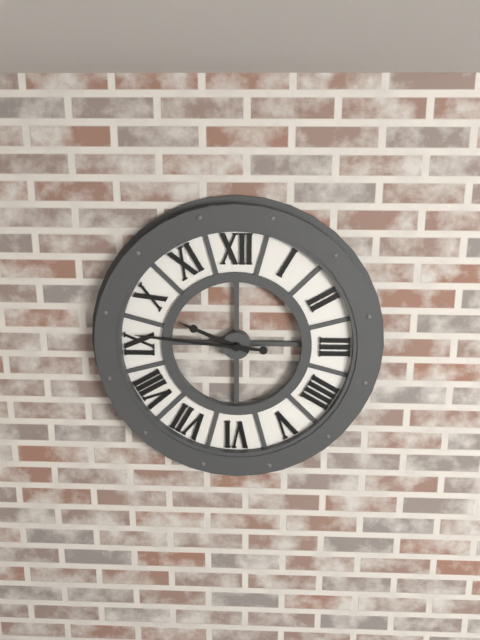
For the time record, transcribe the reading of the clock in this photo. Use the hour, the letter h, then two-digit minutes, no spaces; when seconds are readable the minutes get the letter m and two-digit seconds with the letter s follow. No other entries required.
9h46
